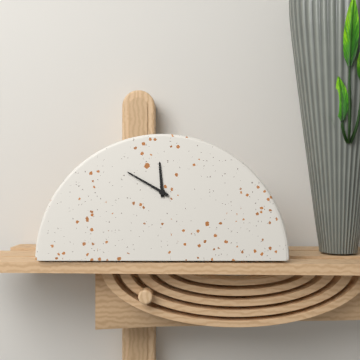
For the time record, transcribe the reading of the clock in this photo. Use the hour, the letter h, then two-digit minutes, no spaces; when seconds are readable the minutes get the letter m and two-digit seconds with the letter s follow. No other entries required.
11h50
